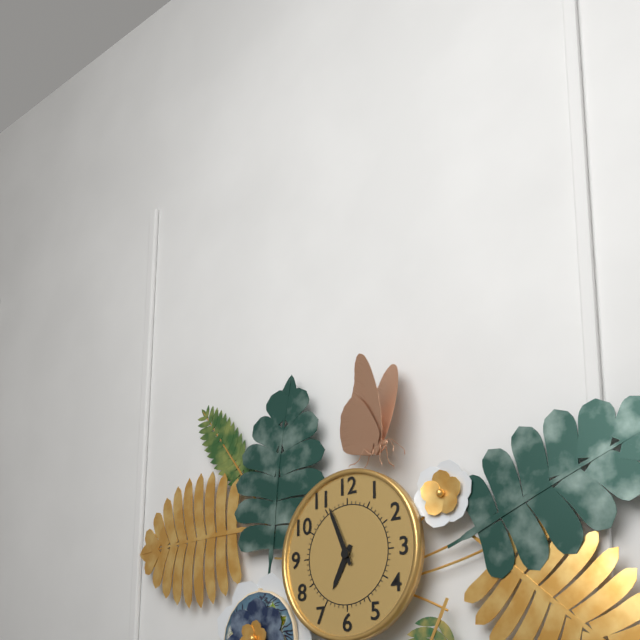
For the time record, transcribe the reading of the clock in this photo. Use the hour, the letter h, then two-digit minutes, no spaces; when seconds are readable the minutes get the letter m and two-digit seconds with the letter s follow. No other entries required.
6h56
